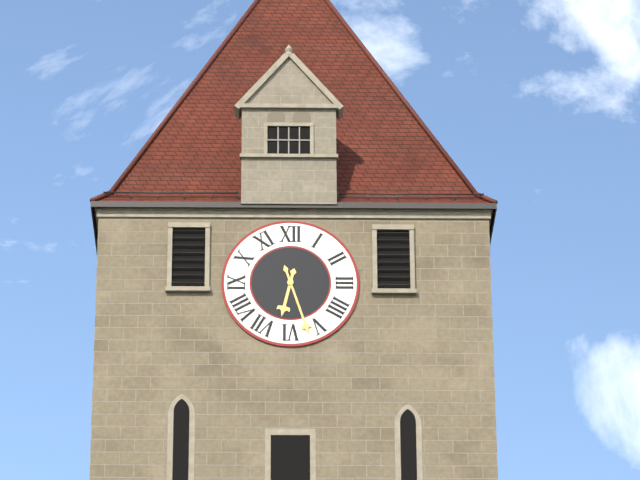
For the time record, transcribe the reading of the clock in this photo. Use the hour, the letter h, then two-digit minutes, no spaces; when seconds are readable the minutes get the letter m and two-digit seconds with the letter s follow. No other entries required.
6h27
